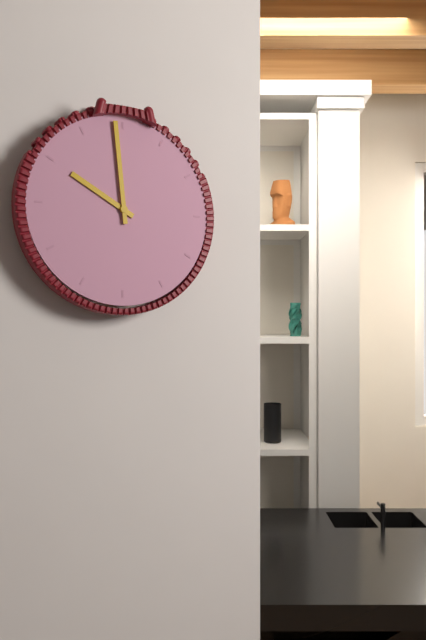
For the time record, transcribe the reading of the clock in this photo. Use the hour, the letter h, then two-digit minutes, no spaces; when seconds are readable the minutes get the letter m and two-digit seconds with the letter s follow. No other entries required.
9h59
